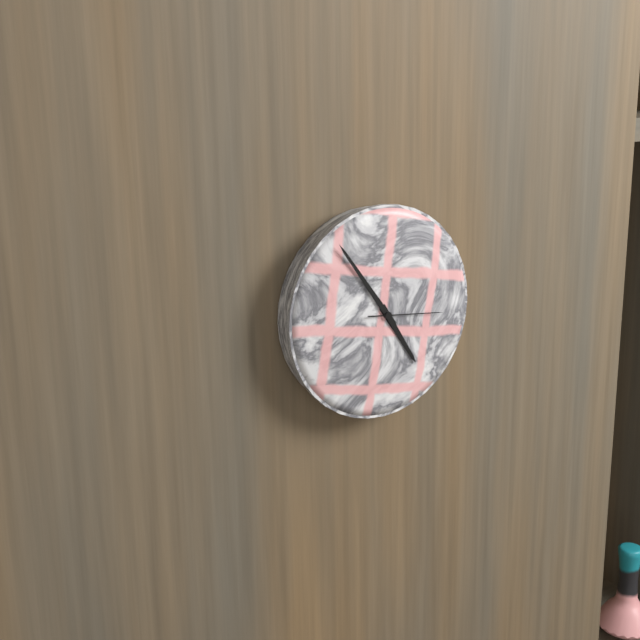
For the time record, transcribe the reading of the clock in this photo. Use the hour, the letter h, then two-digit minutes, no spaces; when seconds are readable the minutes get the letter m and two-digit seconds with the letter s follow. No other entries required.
4h54m16s
